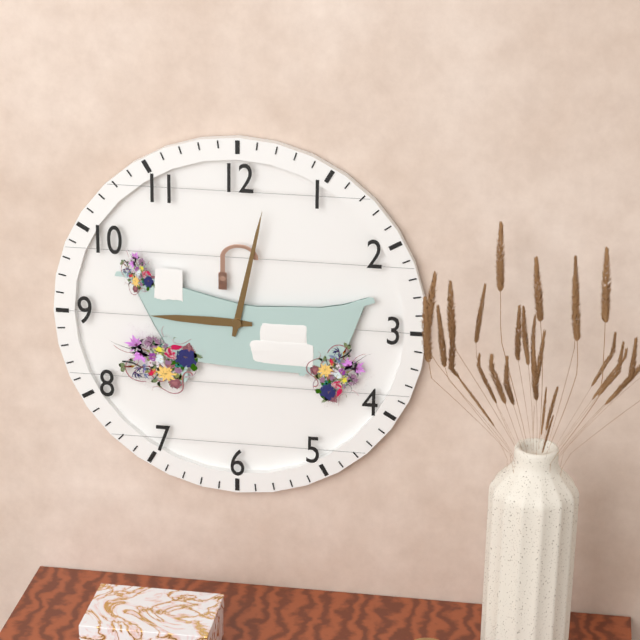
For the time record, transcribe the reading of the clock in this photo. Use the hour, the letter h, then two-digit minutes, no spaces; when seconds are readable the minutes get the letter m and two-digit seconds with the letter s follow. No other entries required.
9h02
